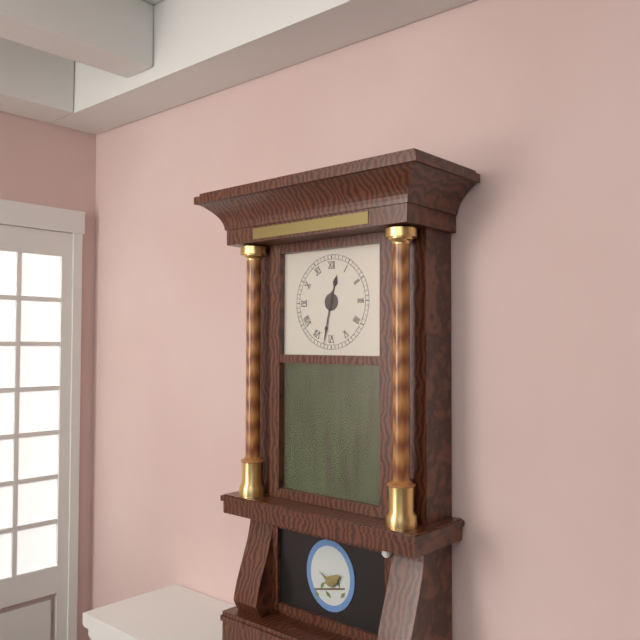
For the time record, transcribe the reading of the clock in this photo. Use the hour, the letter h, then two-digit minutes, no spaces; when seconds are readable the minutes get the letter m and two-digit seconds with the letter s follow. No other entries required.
12h32
